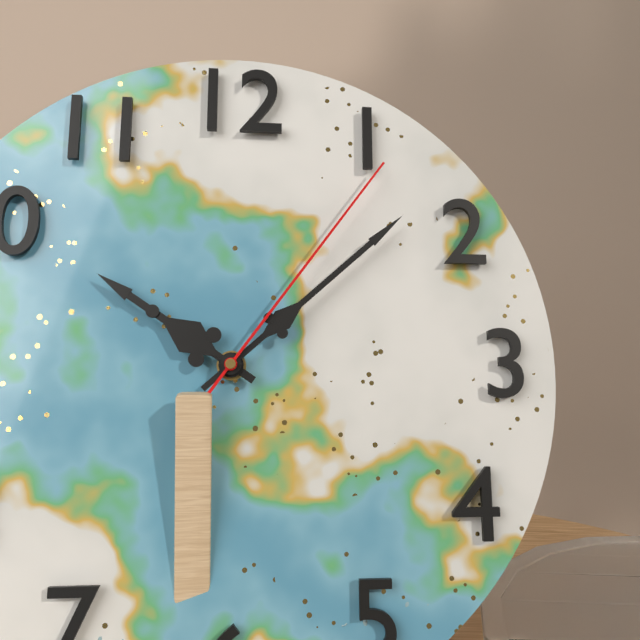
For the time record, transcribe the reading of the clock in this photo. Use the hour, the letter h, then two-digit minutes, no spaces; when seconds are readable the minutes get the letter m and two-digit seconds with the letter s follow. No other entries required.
10h08m06s
